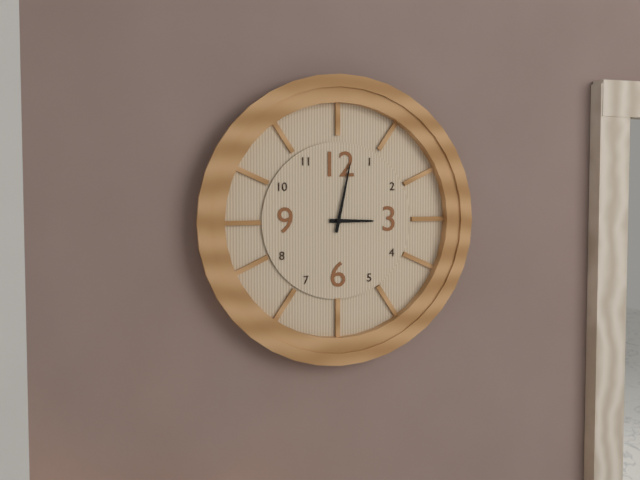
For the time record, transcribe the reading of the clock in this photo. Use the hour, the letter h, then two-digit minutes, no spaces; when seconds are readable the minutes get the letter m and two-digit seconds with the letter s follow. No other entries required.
3h02
